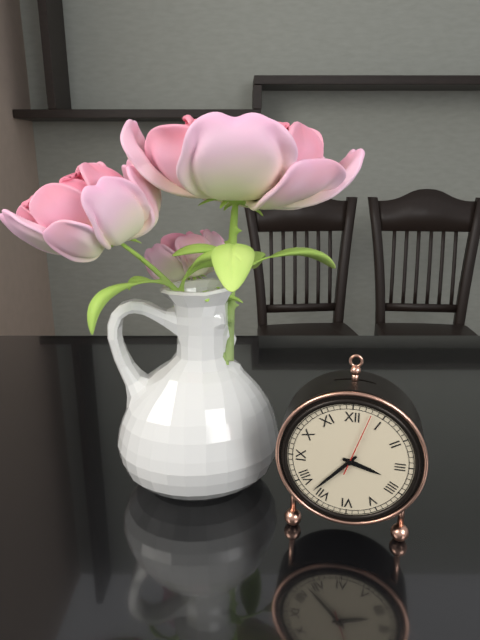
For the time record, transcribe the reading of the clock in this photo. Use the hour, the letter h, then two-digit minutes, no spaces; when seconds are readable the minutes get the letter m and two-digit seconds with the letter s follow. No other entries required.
3h37m03s
